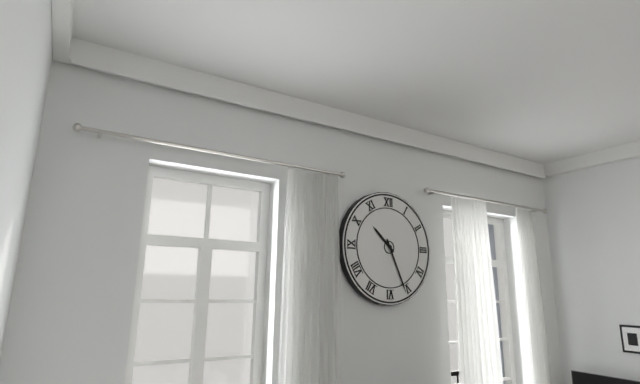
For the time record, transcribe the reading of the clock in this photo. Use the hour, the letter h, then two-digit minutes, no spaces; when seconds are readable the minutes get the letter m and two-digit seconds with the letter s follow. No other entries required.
10h26
